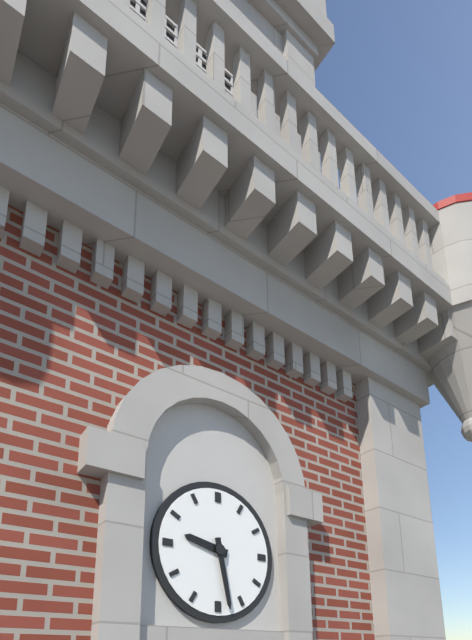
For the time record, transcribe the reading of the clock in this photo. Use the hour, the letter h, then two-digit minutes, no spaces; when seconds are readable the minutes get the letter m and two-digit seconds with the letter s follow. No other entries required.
9h28
